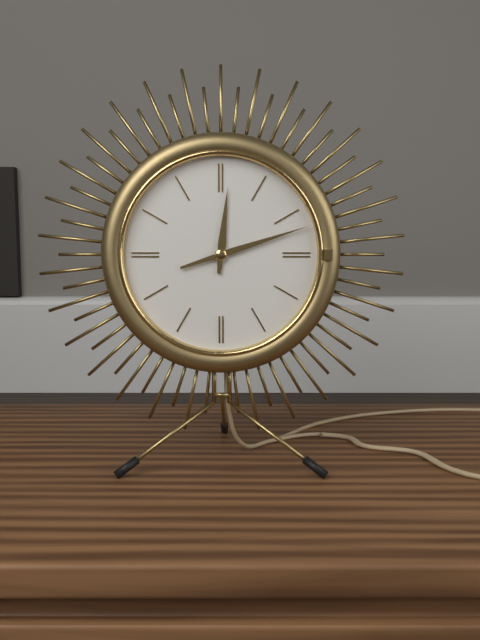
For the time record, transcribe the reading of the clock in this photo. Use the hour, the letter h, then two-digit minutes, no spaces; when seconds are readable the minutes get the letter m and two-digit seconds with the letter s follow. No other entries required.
12h12
